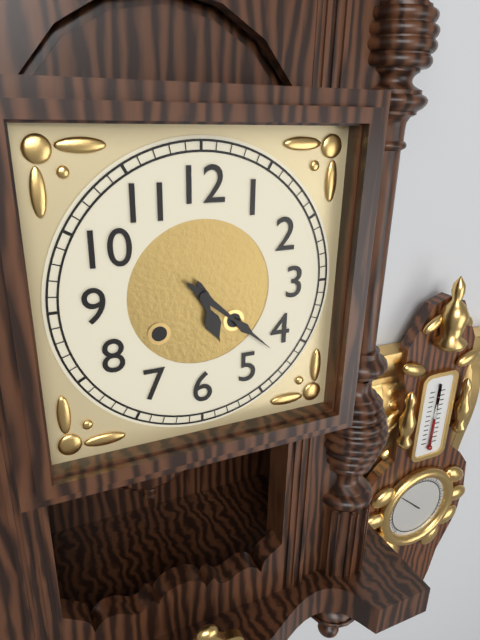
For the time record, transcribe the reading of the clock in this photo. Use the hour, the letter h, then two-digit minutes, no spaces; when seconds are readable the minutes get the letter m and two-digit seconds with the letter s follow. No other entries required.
5h22
